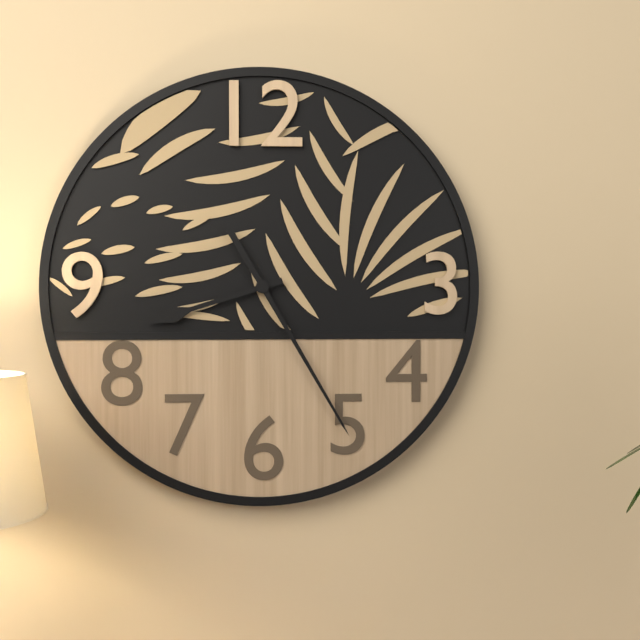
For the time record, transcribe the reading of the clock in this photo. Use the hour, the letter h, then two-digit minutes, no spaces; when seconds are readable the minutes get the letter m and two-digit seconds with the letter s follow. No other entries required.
8h25
